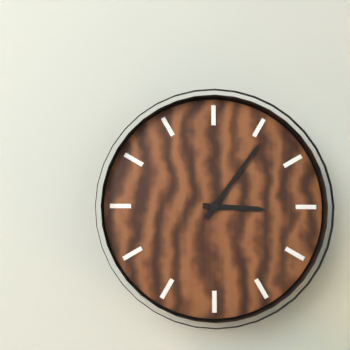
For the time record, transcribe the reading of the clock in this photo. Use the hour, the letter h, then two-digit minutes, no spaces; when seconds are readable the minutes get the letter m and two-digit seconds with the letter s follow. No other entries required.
3h06
